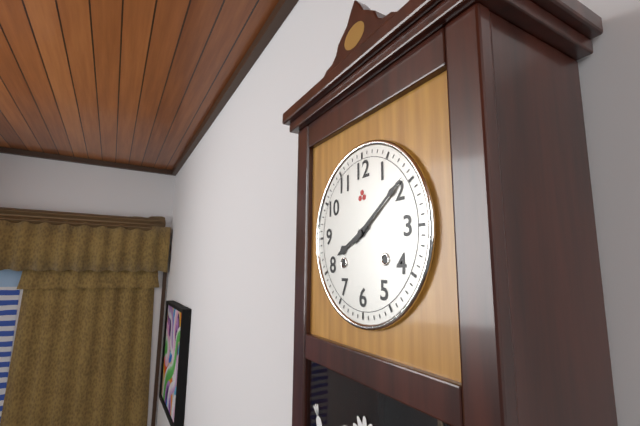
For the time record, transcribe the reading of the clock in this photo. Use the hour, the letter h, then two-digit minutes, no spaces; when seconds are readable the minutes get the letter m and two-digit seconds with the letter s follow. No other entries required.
8h09
